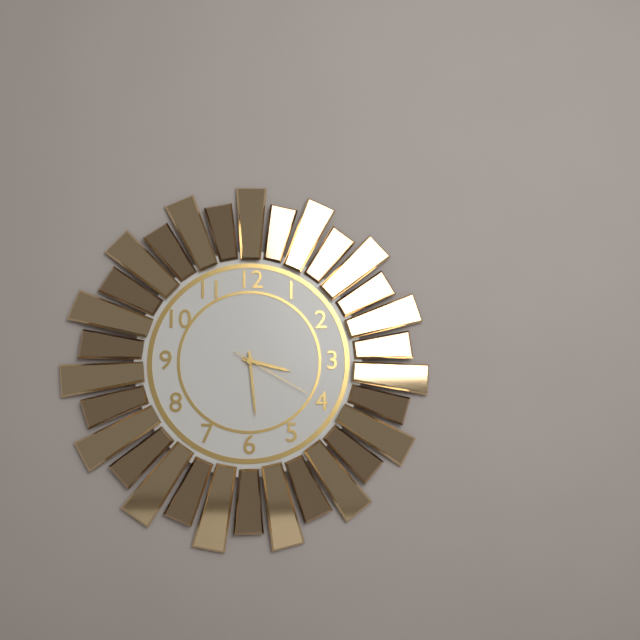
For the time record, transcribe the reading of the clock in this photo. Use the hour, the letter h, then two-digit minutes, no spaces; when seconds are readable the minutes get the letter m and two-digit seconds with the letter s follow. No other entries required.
3h29m20s
